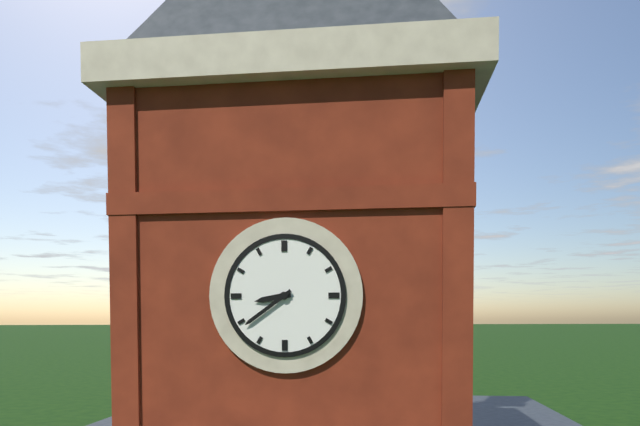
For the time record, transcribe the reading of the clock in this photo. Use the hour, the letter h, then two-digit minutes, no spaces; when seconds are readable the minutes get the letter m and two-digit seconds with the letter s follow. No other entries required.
8h39
